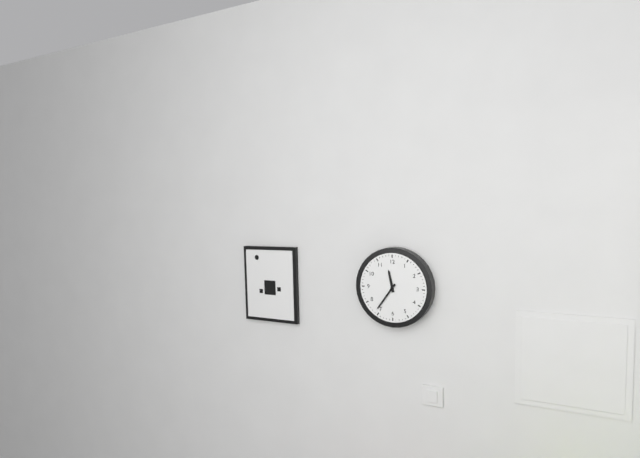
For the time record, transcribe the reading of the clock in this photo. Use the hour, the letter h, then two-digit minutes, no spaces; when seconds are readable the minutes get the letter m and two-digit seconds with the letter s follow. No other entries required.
11h36
